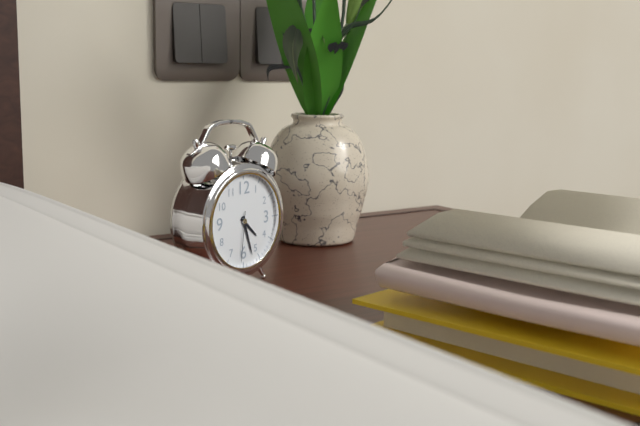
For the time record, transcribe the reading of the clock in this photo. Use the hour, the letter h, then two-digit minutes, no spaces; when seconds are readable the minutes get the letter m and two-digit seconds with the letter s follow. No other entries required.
4h27m31s
